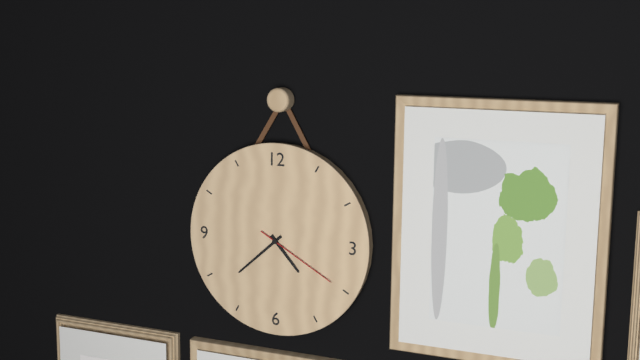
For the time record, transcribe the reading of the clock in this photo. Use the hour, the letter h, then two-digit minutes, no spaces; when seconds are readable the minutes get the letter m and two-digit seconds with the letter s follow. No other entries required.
4h38m20s
